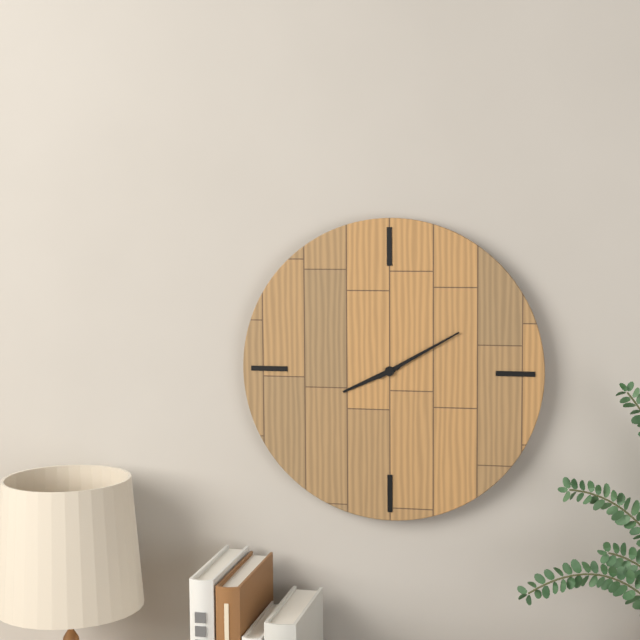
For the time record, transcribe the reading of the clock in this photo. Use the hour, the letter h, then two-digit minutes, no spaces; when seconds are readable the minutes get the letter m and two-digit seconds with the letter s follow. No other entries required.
8h10
